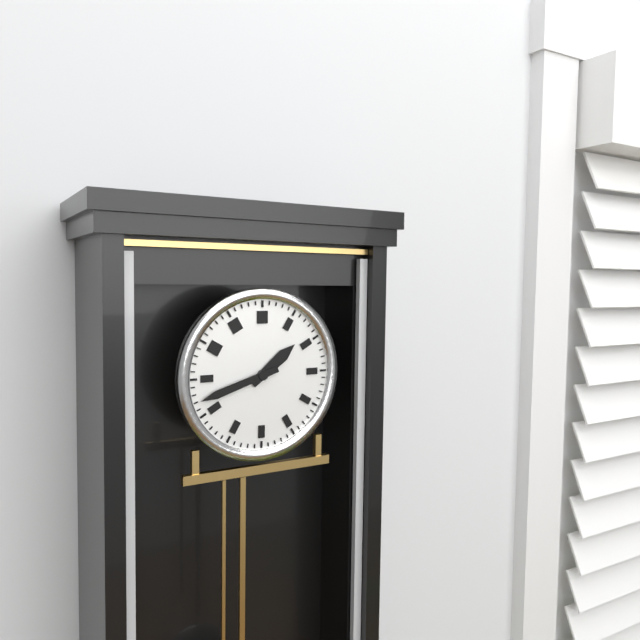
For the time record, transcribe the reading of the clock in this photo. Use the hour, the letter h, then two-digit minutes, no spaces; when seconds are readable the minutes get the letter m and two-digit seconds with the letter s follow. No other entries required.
1h42
